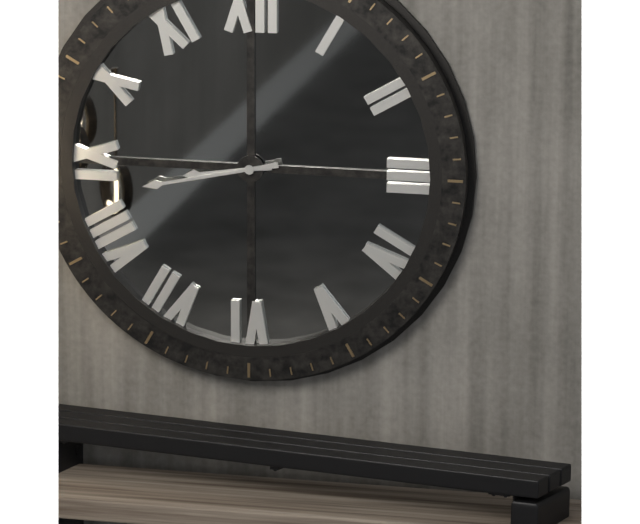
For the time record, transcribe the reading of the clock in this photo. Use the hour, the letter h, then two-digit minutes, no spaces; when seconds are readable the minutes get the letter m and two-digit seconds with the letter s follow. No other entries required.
8h43
